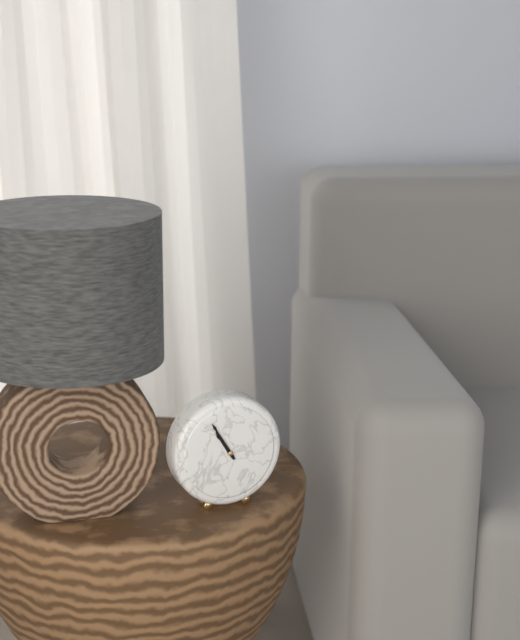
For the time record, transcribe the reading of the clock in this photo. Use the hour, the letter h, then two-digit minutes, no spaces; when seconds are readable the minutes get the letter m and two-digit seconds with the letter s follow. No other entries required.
10h55
